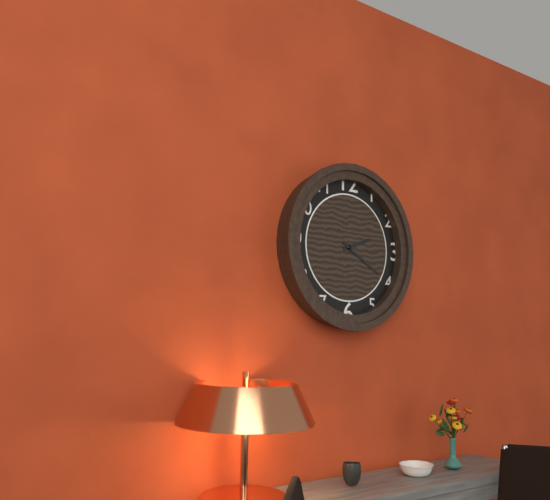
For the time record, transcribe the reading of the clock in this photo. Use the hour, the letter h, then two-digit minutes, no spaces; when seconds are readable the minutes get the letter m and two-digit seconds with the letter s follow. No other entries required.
2h20
